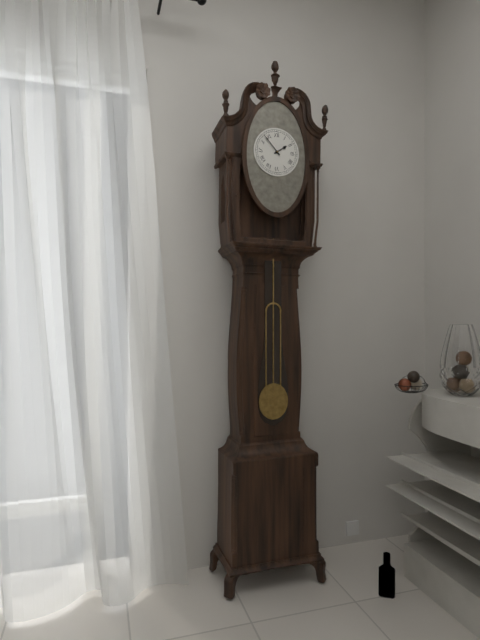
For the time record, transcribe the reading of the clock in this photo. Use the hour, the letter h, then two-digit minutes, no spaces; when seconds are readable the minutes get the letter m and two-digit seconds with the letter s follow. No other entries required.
1h53
